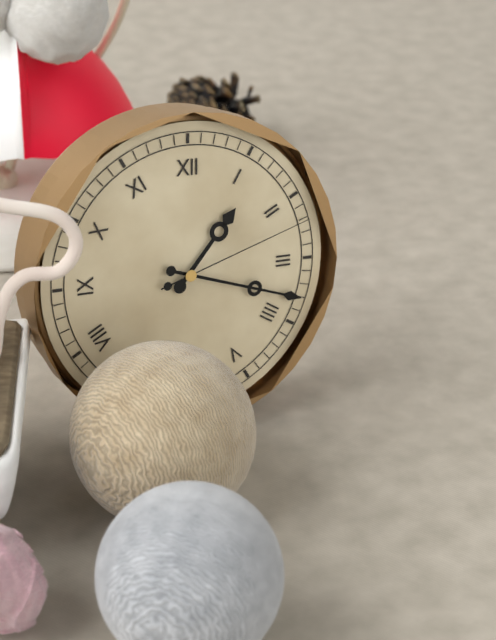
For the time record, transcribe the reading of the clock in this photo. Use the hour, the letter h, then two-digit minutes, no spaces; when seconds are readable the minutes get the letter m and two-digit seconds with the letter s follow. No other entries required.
1h18m12s
